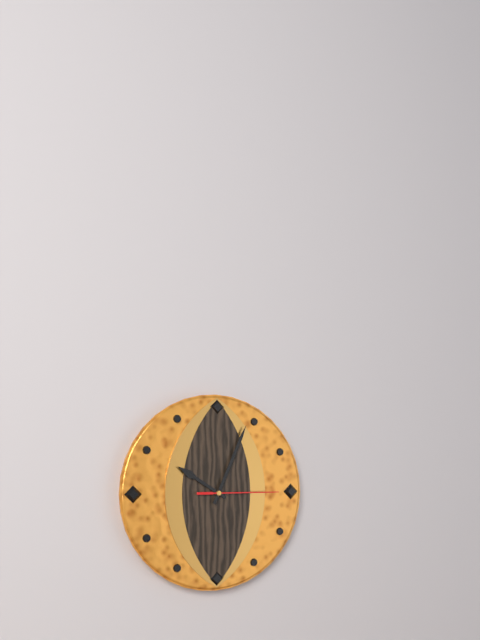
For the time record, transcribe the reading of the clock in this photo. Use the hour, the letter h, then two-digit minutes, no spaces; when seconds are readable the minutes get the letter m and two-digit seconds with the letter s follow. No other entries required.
10h04m15s
